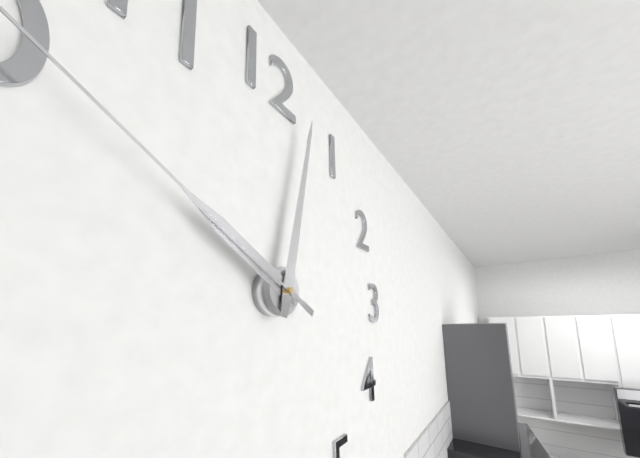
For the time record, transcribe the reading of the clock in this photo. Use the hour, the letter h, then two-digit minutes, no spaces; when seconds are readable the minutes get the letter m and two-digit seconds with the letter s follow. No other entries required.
10h02
